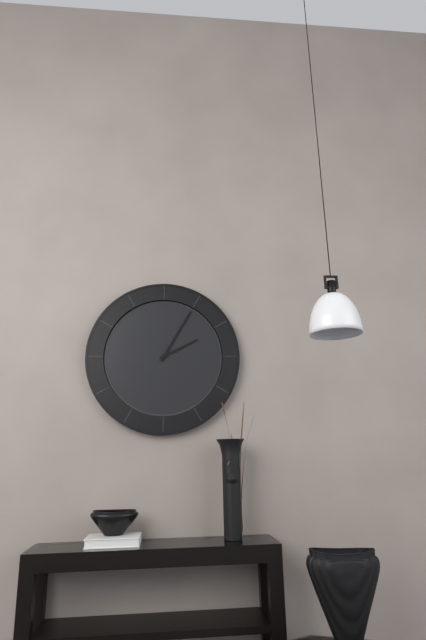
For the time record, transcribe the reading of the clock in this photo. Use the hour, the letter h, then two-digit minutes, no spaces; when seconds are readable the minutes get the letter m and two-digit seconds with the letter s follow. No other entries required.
2h05
